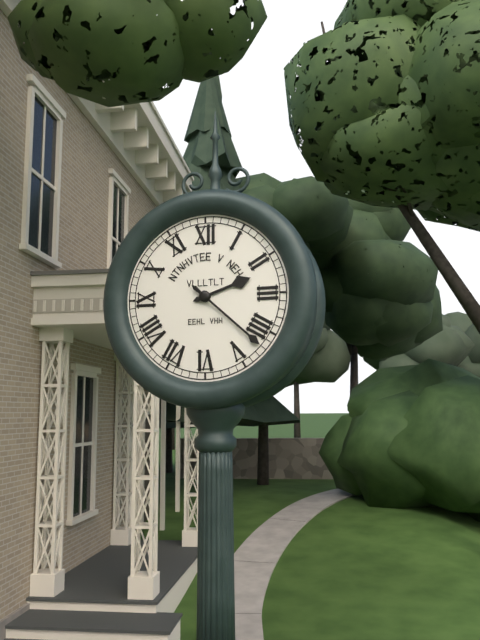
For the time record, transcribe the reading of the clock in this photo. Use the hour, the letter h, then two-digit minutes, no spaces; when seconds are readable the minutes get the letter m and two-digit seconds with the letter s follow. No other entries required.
2h22
